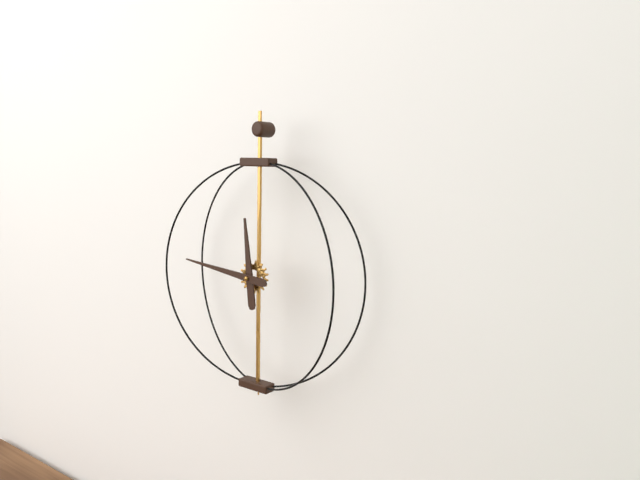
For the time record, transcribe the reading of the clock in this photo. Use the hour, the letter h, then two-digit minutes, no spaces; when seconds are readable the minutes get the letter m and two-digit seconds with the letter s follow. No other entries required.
11h46
